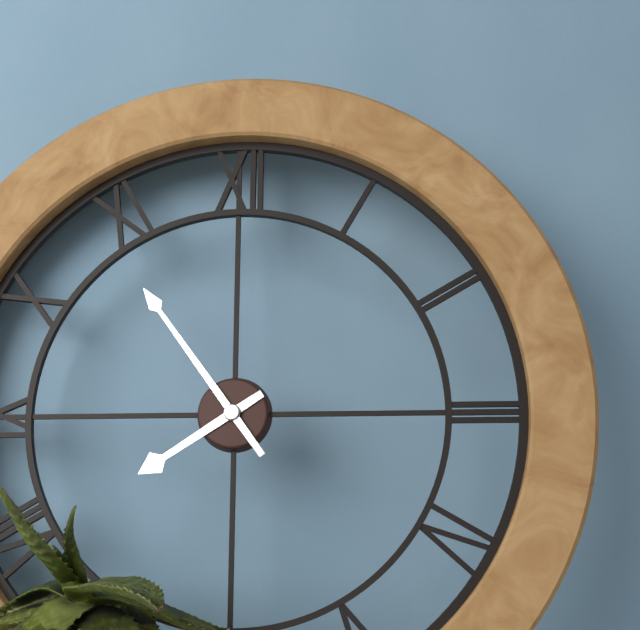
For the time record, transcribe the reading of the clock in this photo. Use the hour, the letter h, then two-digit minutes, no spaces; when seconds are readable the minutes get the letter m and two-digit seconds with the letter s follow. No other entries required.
7h54
